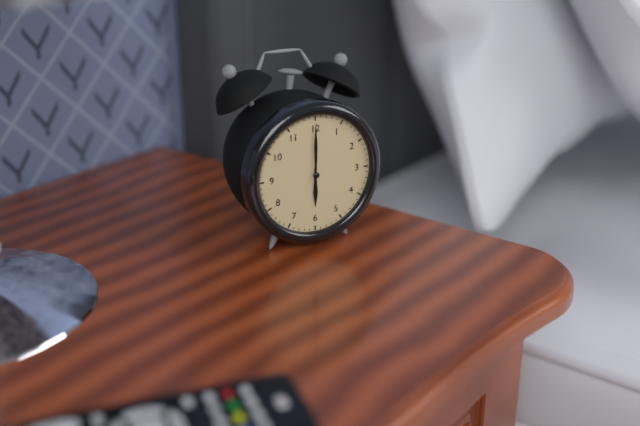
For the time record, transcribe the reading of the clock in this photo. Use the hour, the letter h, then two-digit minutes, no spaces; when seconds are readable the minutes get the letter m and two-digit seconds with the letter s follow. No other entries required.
6h00
